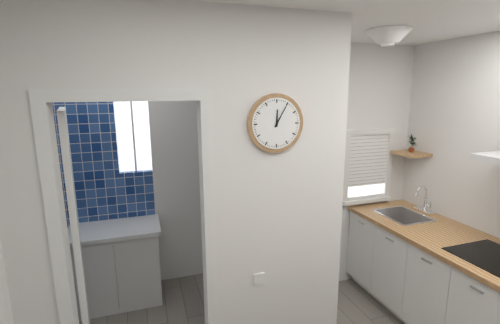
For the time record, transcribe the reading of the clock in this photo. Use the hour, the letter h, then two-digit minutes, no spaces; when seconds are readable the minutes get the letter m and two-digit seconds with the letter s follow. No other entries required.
12h05
